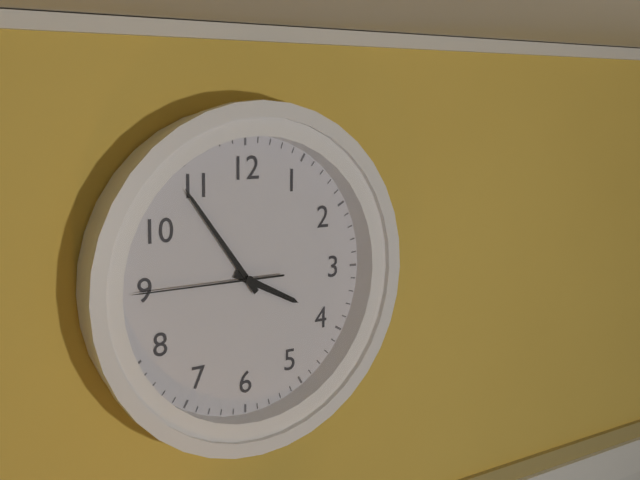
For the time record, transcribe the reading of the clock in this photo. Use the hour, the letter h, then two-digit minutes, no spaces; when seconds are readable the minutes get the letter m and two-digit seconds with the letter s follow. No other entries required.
3h54m45s
